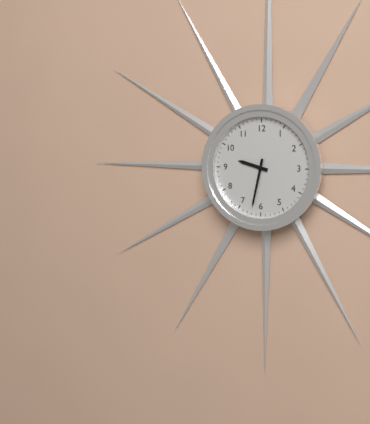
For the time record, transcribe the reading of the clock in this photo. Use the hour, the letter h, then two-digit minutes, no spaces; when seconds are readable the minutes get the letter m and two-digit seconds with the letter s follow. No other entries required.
9h32
